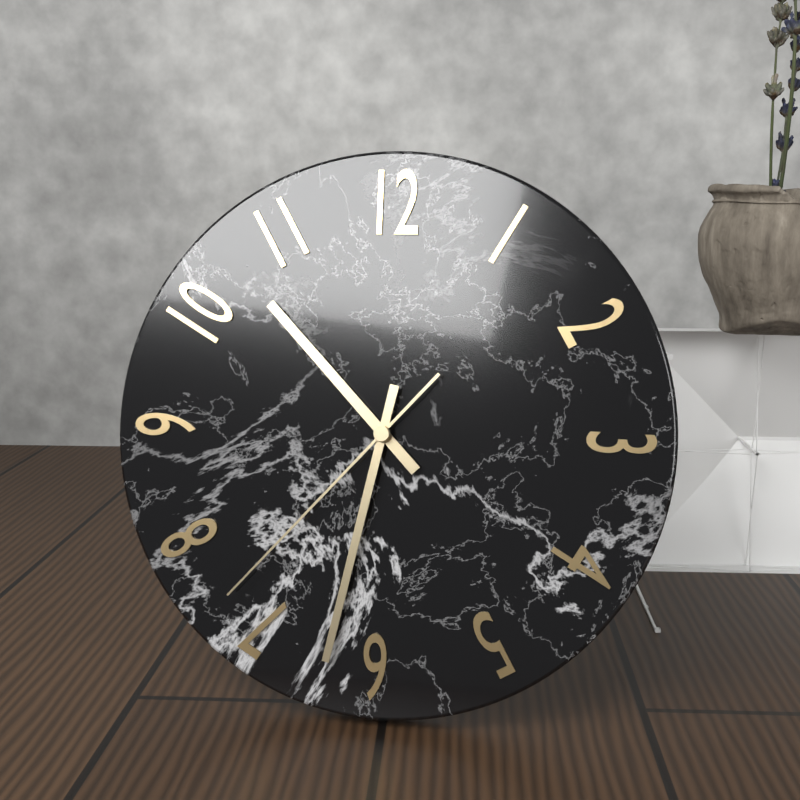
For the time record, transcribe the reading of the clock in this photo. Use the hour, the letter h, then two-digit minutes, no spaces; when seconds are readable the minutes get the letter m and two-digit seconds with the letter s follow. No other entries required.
10h32m37s
